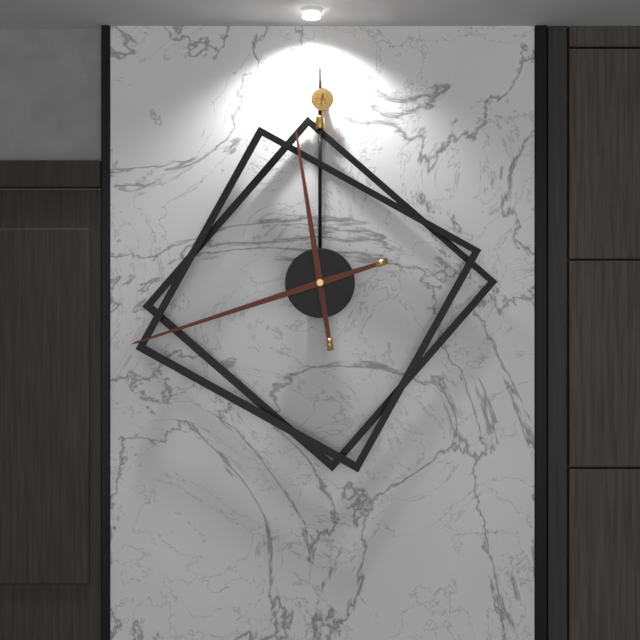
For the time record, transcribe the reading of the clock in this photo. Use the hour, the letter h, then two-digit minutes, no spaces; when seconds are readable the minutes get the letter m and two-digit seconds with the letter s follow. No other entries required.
11h42
